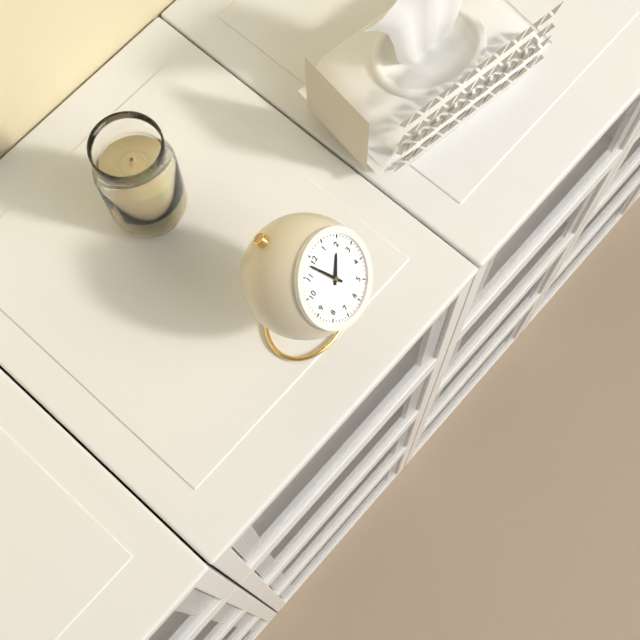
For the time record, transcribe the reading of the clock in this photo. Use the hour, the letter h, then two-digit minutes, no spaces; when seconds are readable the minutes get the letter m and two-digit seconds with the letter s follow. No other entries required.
1h58
